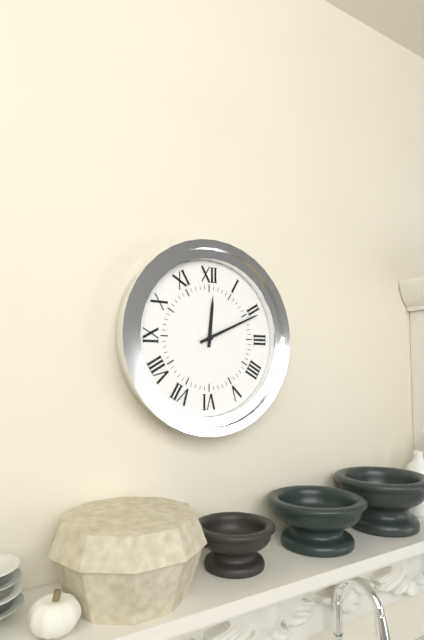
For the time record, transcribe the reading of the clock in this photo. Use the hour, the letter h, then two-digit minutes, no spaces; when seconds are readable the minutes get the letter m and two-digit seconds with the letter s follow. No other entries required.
12h11
